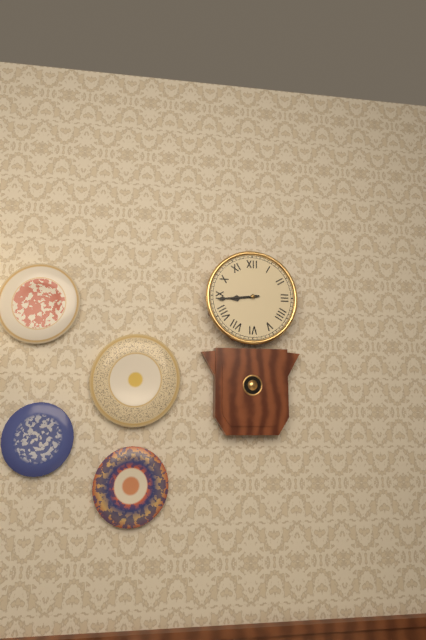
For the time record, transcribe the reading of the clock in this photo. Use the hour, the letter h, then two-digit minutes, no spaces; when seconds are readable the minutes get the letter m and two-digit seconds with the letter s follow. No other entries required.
8h44
